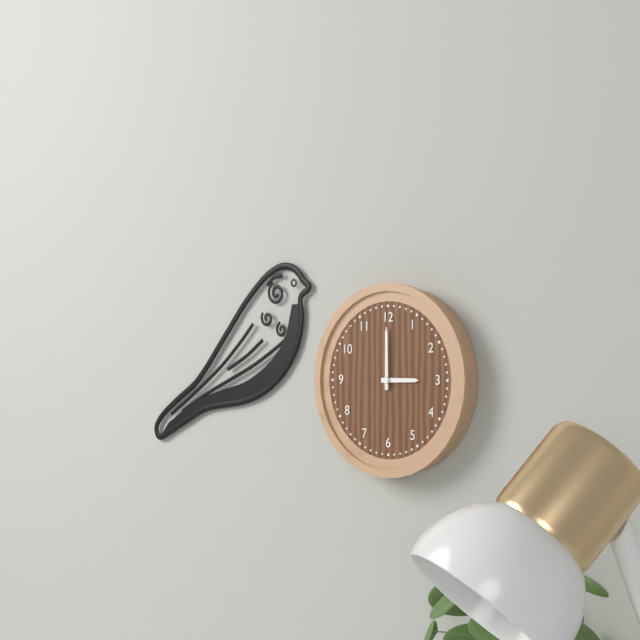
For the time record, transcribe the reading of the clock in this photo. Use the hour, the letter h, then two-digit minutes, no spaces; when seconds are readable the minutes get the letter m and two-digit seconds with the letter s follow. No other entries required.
3h00
